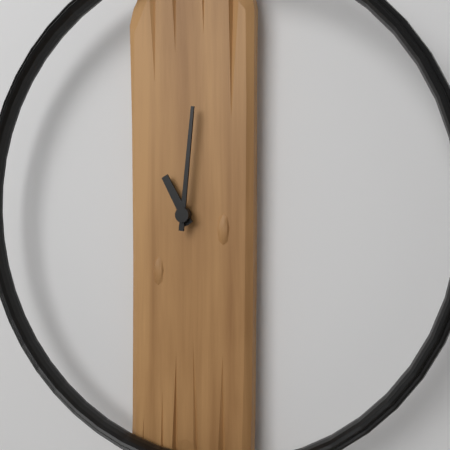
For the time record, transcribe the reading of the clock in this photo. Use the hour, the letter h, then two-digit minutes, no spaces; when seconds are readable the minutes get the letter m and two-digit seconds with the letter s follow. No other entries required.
11h01
